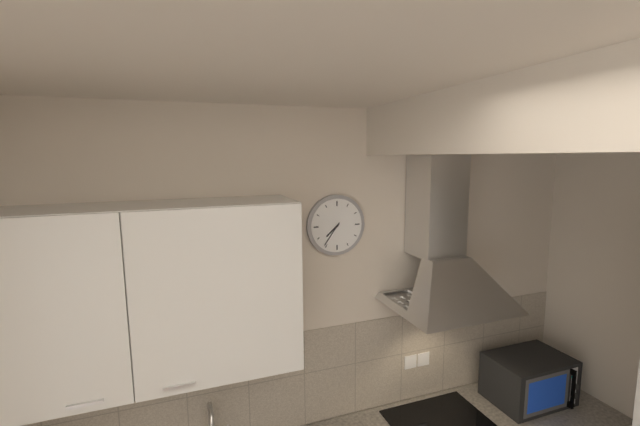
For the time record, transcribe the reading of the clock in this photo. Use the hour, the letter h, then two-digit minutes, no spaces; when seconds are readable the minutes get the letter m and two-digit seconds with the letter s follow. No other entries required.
7h36
